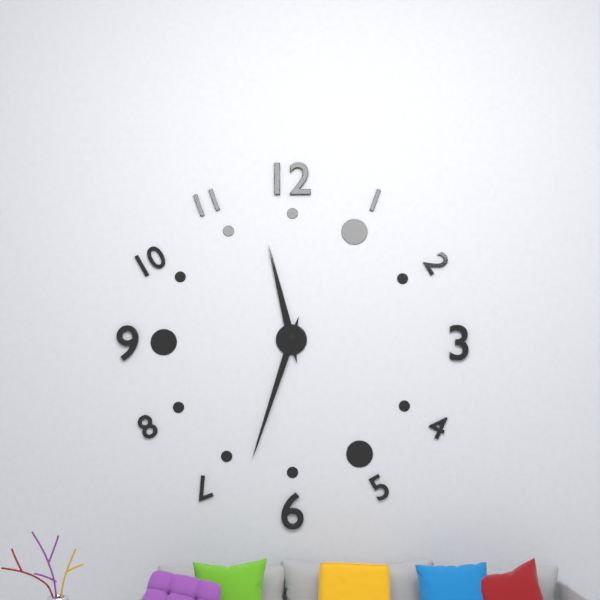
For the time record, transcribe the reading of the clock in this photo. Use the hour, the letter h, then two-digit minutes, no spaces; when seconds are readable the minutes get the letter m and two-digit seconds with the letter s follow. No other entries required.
11h33
